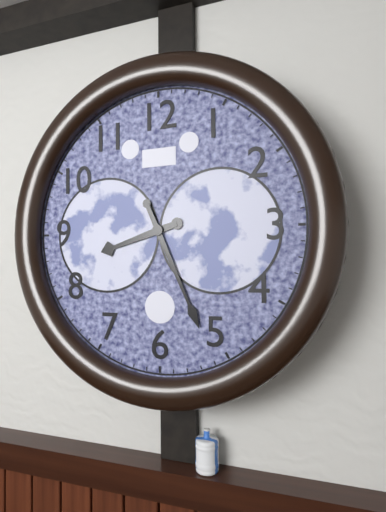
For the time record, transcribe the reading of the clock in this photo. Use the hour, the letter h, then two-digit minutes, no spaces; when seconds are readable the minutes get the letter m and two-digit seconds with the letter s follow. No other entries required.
8h26
